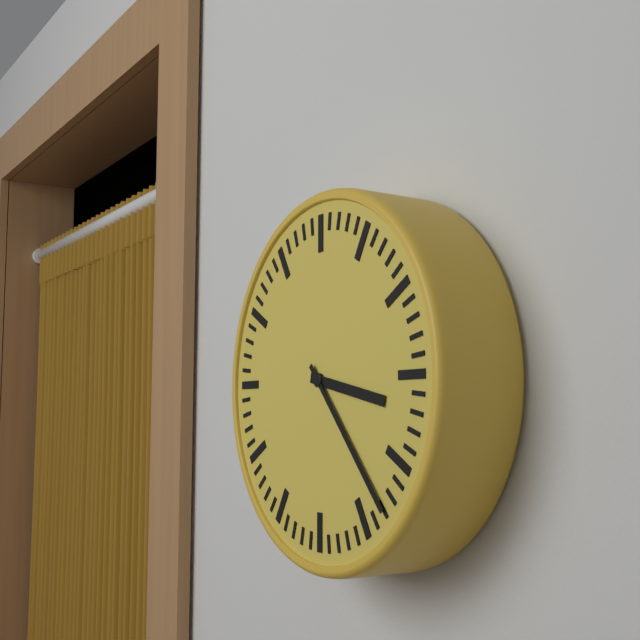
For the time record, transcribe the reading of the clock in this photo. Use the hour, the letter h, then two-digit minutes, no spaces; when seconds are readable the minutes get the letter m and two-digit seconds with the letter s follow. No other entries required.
3h23
